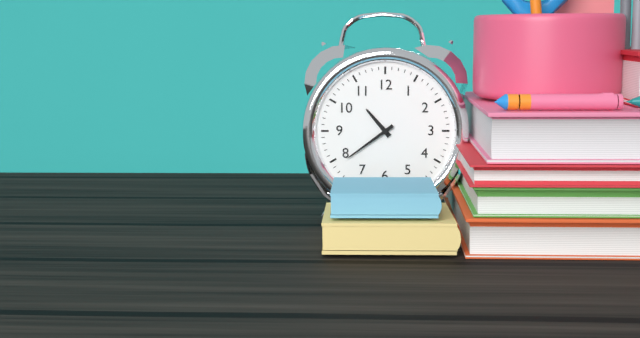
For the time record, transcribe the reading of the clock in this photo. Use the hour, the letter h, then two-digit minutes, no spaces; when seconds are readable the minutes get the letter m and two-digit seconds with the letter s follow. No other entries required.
10h39
